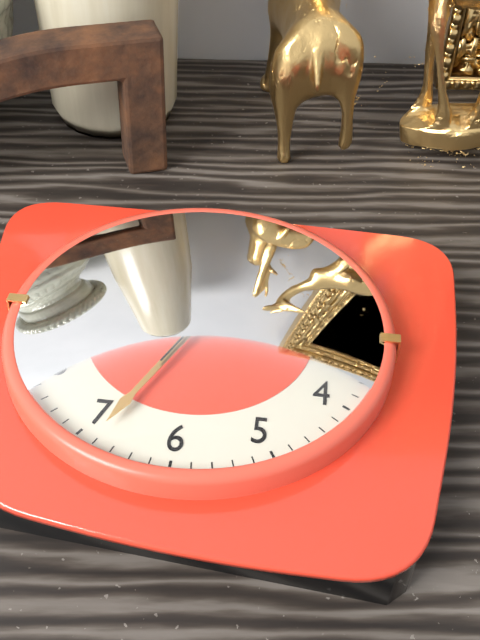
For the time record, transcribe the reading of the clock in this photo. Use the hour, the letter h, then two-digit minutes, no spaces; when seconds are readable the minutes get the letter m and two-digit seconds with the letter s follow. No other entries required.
8h34m04s
